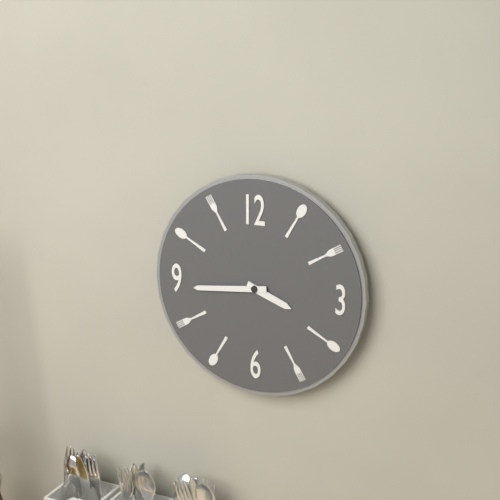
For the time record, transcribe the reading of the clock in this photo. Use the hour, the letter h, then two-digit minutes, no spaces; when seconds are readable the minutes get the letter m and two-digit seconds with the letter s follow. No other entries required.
3h44
